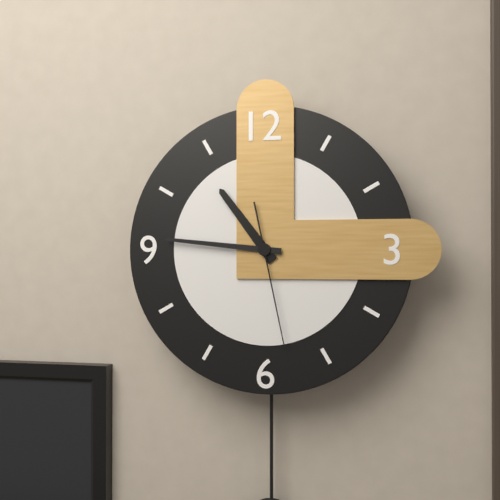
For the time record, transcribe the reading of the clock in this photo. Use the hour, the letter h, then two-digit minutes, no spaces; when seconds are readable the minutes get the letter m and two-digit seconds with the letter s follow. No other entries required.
10h46m28s
